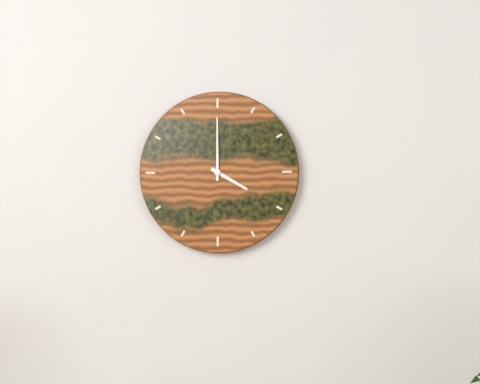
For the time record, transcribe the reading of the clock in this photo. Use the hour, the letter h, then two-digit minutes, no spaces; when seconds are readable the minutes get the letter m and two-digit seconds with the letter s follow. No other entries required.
4h00
